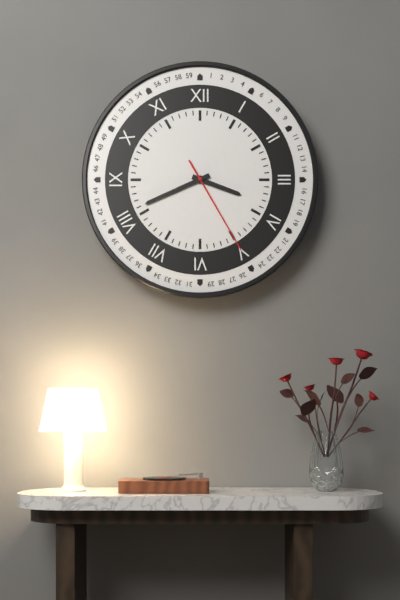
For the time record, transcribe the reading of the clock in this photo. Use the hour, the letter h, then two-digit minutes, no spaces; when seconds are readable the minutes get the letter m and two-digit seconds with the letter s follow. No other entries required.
3h41m25s
